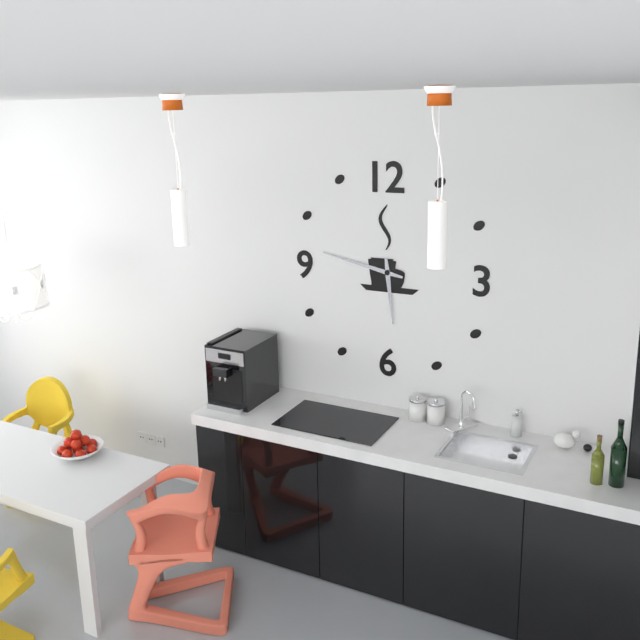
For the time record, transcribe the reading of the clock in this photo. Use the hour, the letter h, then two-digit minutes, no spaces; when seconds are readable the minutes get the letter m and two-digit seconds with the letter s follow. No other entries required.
5h47
